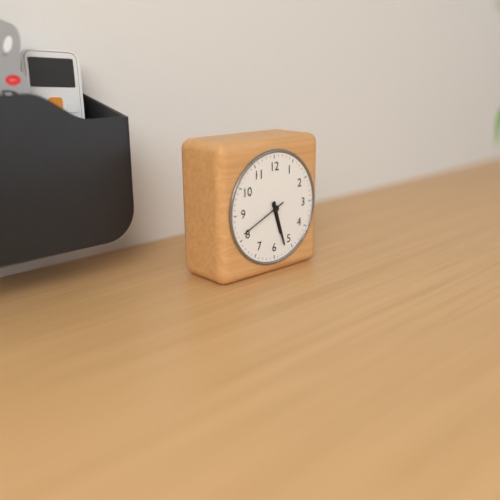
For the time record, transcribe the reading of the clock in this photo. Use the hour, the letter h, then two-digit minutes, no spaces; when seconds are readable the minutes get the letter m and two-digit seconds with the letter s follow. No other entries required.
5h27m41s
